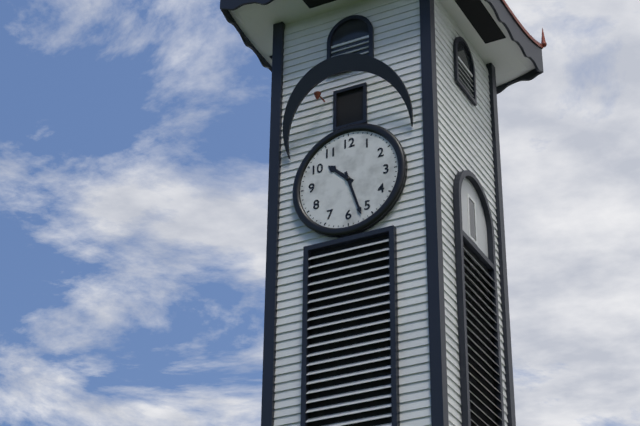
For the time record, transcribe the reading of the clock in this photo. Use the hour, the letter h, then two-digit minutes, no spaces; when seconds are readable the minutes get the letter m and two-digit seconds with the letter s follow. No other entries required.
10h27
